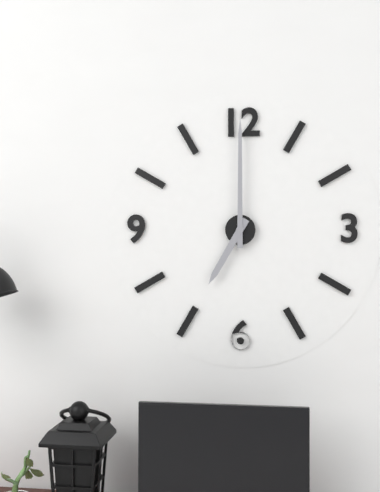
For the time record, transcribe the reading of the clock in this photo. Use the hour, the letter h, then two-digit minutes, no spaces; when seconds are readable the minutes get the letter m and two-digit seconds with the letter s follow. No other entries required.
7h00
